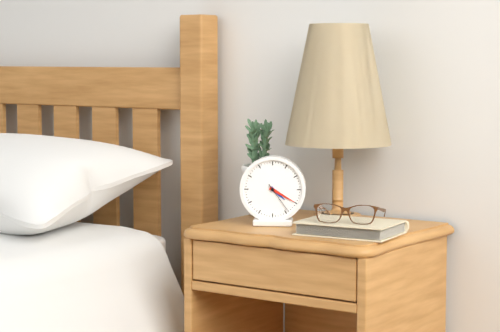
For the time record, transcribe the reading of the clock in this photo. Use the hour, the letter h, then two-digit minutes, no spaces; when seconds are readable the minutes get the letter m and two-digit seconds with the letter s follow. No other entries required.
4h20
